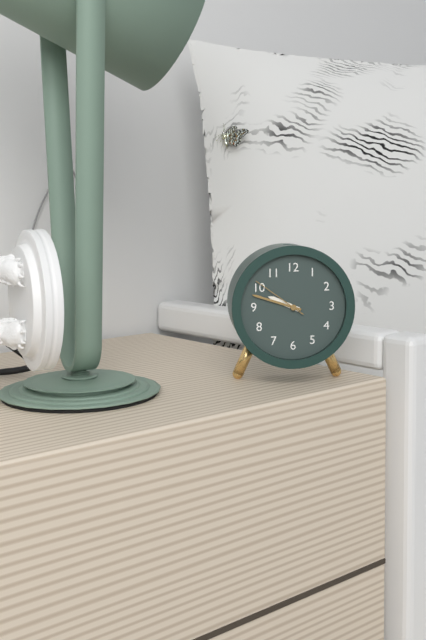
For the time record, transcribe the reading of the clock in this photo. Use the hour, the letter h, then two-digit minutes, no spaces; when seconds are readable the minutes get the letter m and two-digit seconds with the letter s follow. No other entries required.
9h48m51s
